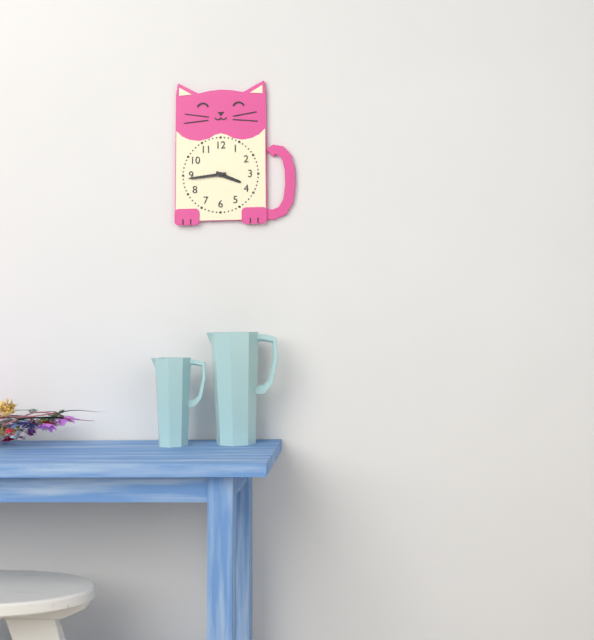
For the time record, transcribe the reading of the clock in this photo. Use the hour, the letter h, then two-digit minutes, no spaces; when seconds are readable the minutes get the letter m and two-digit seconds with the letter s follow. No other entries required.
3h44
